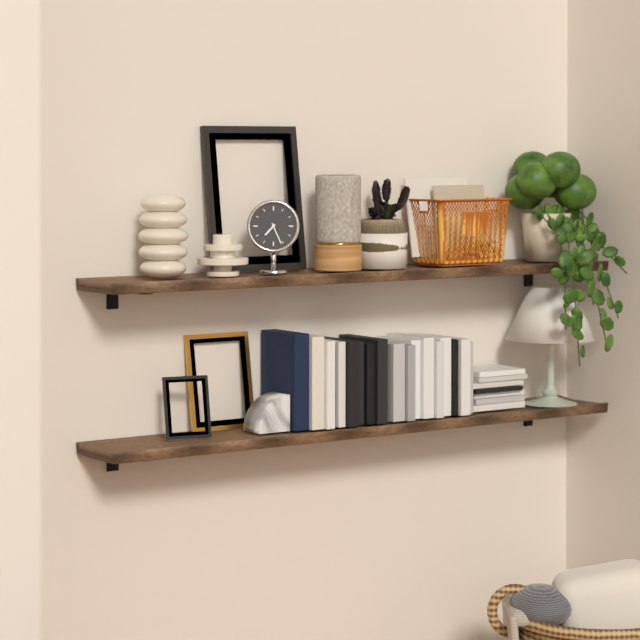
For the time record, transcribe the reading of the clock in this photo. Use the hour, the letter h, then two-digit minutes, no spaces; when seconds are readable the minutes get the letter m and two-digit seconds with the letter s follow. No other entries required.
7h26
